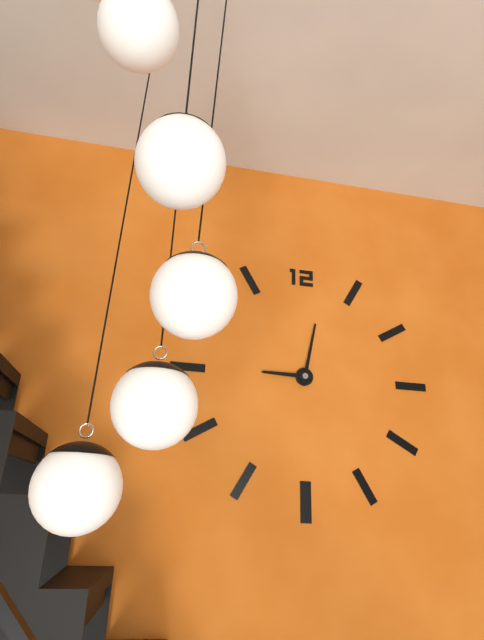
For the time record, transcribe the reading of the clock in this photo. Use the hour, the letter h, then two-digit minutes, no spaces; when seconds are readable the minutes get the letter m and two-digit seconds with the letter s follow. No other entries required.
9h02
